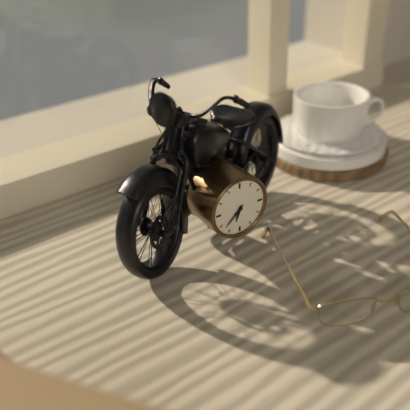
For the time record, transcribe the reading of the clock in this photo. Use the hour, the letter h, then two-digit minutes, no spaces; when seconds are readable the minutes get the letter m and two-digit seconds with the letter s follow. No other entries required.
6h38
